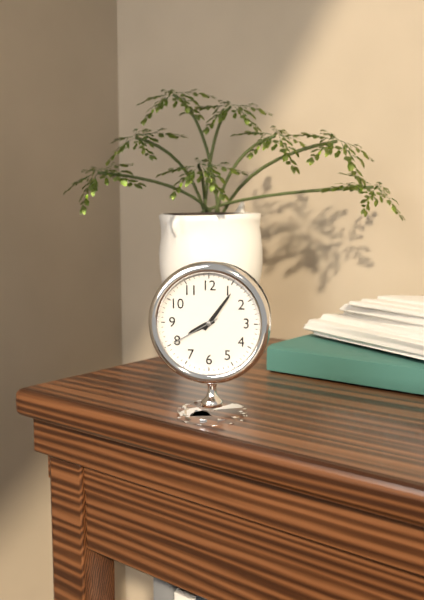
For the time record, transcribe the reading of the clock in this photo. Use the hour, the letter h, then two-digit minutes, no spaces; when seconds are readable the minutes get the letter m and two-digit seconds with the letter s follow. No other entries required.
8h06m40s
